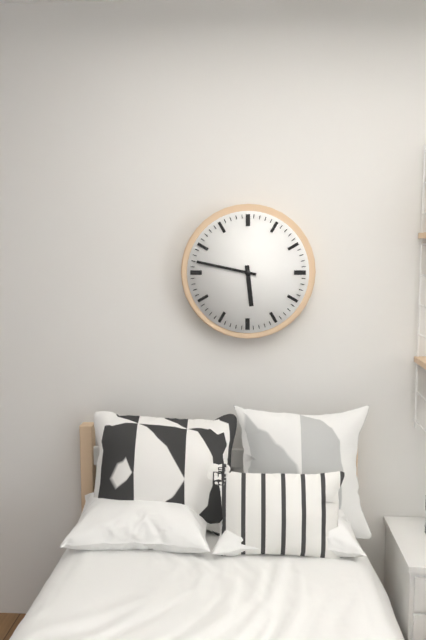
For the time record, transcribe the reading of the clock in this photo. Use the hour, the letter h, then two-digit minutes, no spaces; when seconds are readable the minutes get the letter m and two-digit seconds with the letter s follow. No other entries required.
5h47
